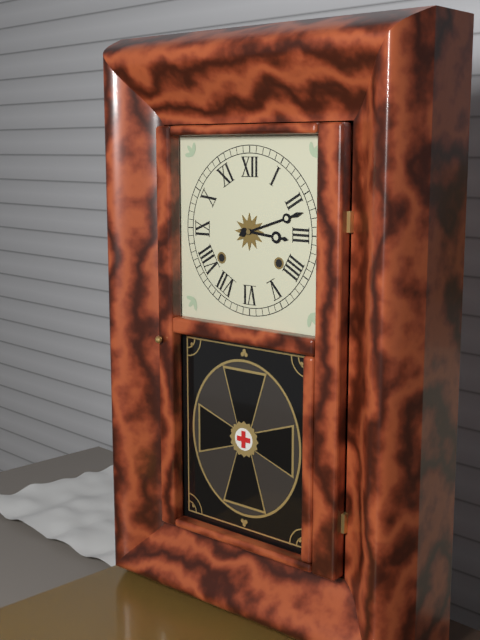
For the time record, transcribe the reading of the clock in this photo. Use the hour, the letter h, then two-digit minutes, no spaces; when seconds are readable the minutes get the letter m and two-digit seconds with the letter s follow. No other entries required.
3h12
